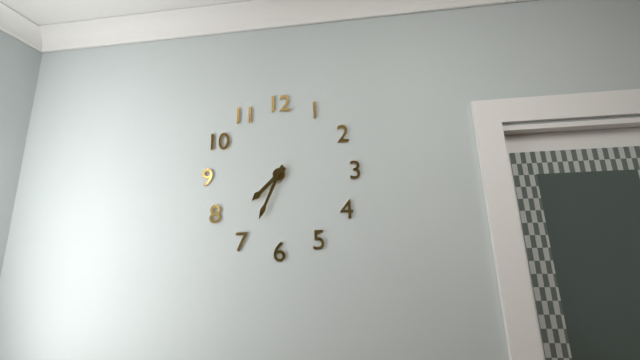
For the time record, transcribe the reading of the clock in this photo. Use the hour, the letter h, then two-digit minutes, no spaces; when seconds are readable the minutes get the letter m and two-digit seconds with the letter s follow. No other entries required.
7h34
